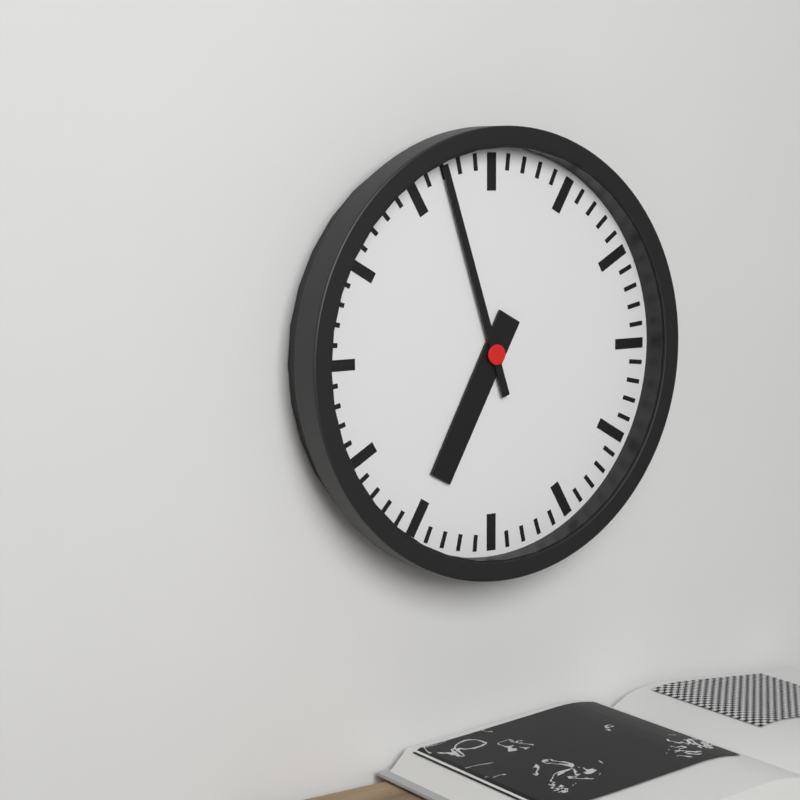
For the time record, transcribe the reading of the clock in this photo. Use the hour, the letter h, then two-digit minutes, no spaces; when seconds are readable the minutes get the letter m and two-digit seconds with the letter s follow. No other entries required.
6h57
